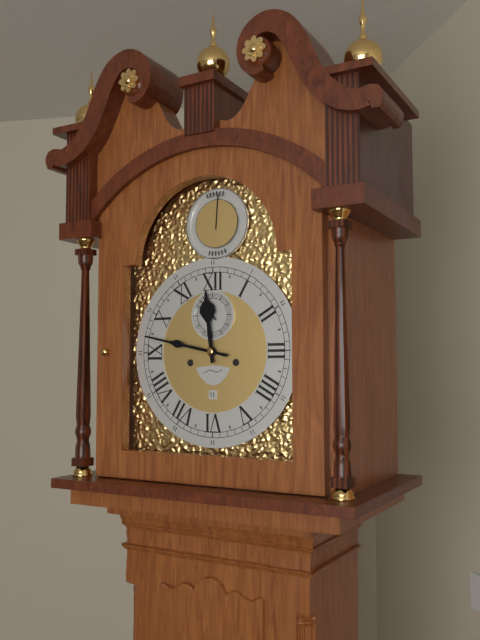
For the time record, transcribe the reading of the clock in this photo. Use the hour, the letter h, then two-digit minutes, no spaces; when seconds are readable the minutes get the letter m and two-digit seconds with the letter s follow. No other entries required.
11h47
